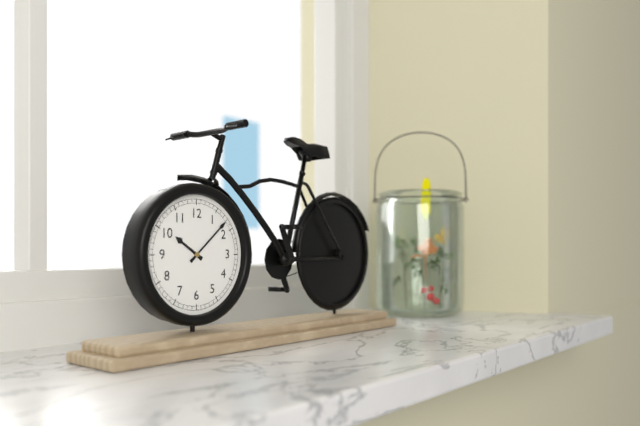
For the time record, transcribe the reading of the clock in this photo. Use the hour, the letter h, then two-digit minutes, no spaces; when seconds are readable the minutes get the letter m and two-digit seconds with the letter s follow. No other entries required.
10h08
